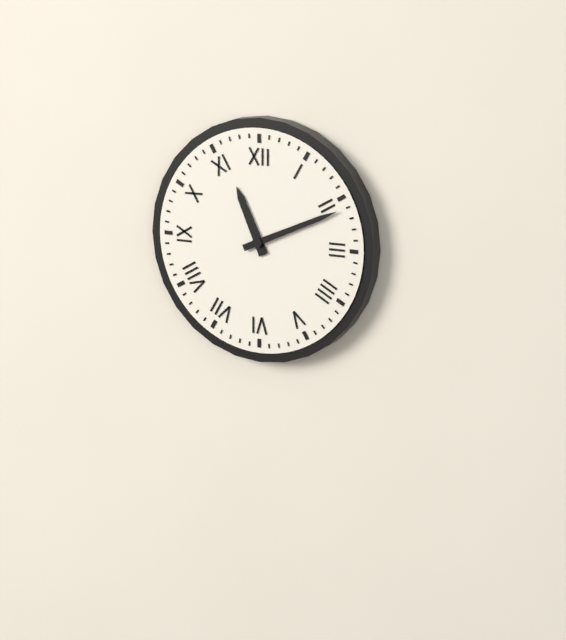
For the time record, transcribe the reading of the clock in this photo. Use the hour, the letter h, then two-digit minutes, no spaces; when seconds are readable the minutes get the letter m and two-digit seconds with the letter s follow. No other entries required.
11h11
